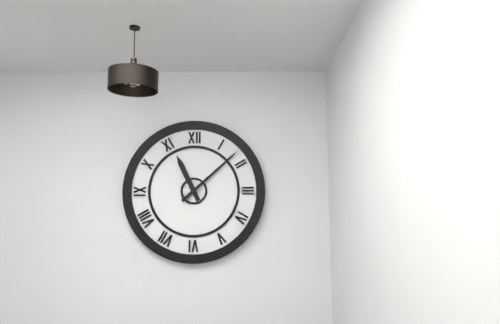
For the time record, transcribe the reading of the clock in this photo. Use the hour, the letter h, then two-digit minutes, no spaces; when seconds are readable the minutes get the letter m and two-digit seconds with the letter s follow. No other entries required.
11h08
